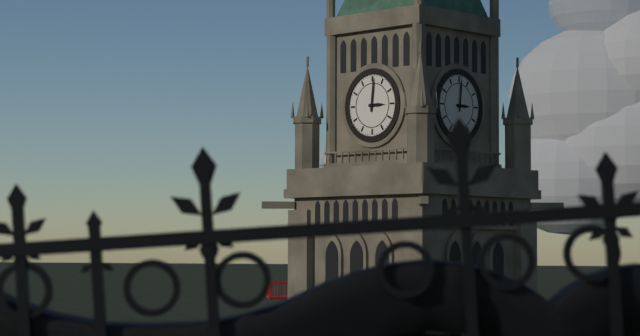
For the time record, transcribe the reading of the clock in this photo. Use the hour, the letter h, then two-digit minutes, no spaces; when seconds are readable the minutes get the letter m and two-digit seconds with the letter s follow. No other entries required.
3h01
